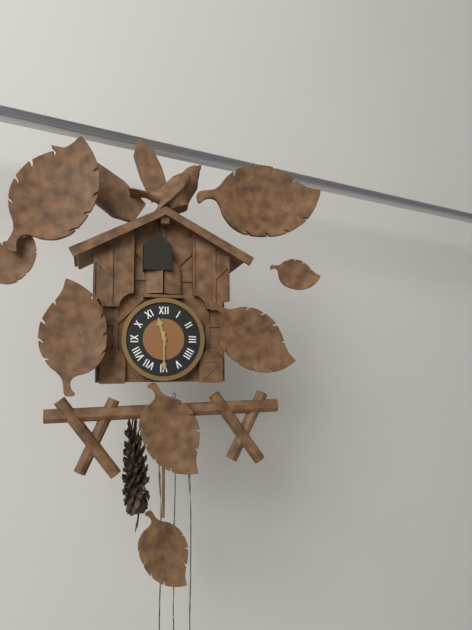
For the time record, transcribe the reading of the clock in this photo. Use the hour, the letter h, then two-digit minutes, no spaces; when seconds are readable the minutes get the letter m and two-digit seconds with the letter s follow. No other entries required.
11h30
